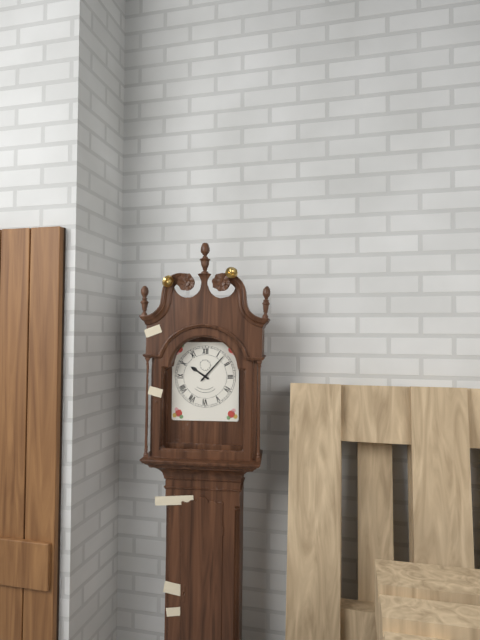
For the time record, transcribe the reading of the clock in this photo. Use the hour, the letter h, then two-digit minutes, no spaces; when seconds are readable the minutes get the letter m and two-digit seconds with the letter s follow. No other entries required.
10h07
